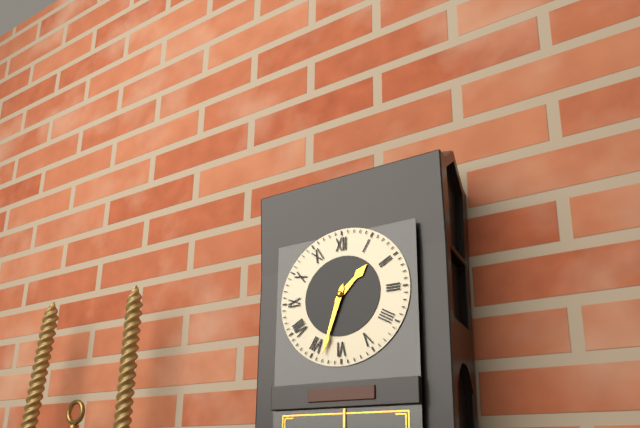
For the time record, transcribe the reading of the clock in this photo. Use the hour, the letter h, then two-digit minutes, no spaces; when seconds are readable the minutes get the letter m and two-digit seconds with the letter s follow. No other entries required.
1h33
